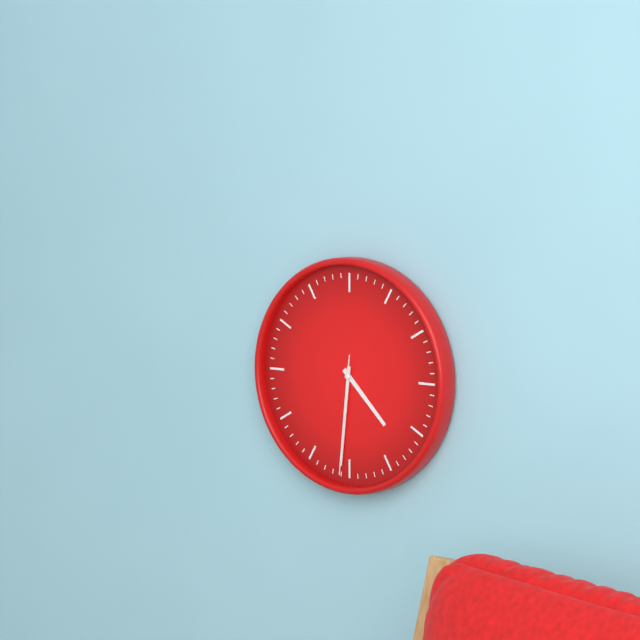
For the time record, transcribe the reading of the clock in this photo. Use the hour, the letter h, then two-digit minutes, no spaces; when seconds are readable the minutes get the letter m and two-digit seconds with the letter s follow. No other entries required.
4h31m31s
